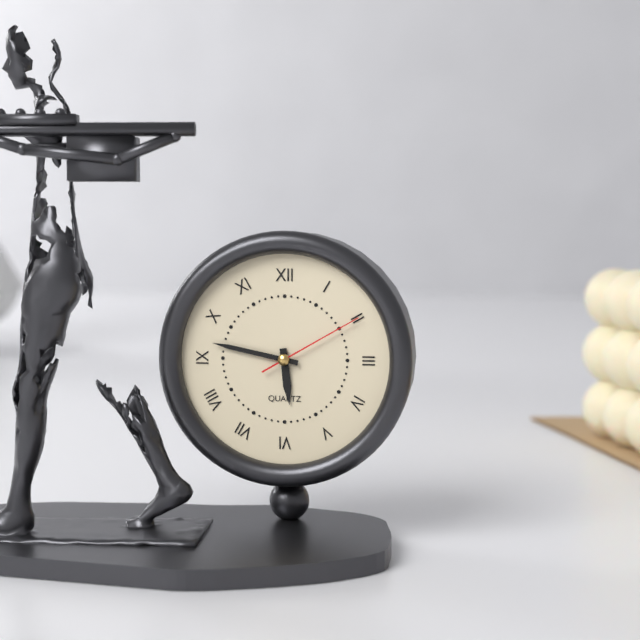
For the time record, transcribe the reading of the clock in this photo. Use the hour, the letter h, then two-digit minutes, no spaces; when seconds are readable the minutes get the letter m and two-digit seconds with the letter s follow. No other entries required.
5h47m10s
